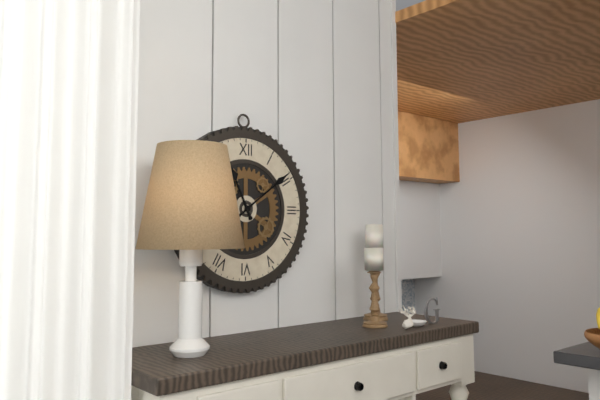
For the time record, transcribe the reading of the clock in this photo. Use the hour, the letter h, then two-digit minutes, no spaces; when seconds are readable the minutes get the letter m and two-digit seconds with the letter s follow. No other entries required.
11h09
